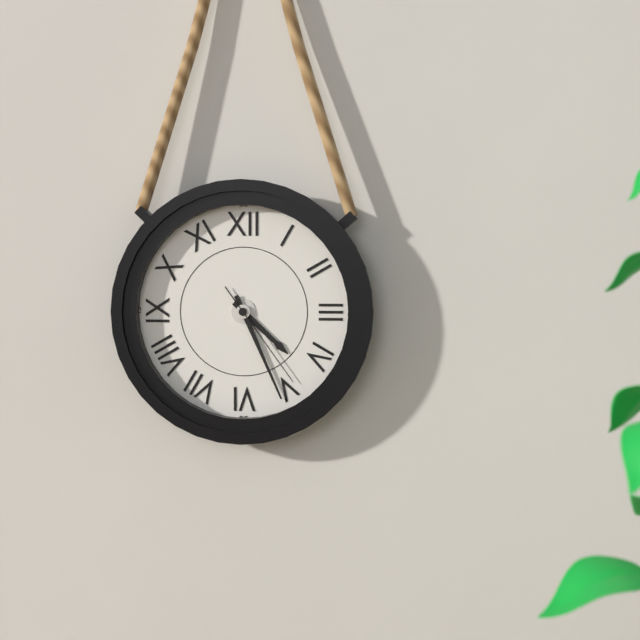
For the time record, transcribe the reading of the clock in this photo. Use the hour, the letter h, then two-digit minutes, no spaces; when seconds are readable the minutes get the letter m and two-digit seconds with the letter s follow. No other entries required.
4h26m24s
